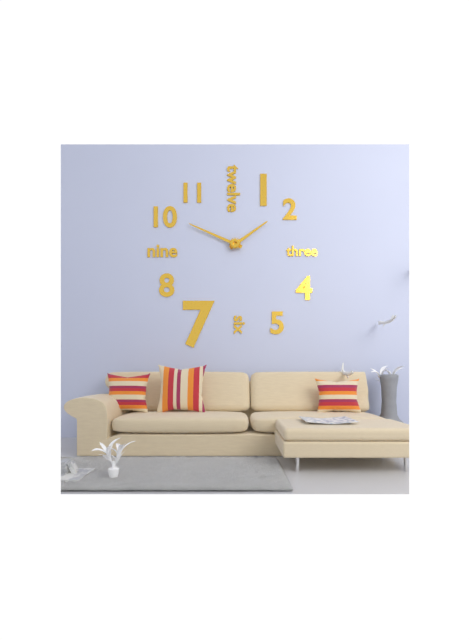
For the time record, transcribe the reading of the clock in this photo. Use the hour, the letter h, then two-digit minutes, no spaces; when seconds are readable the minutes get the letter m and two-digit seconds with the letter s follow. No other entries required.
1h49
